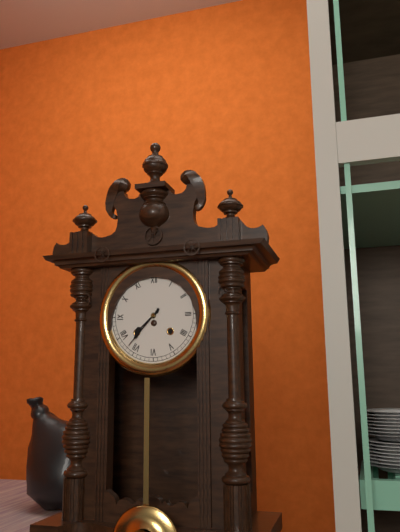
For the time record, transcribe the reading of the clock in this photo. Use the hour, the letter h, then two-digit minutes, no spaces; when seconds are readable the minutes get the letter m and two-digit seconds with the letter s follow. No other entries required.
7h37
